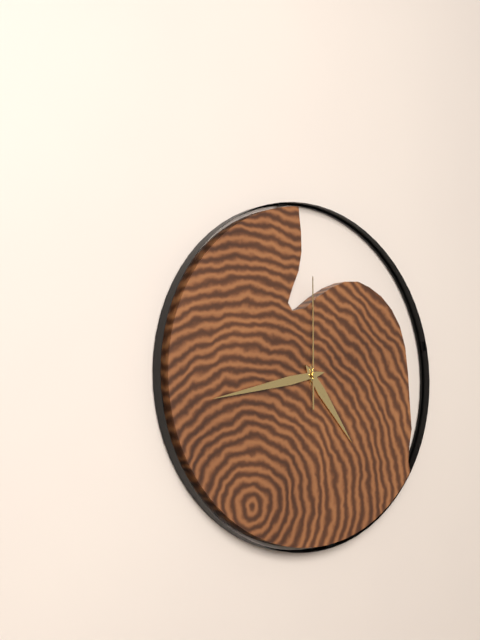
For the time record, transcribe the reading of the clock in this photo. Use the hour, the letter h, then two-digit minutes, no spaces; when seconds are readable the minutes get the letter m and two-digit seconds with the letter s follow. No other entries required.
4h43m00s
